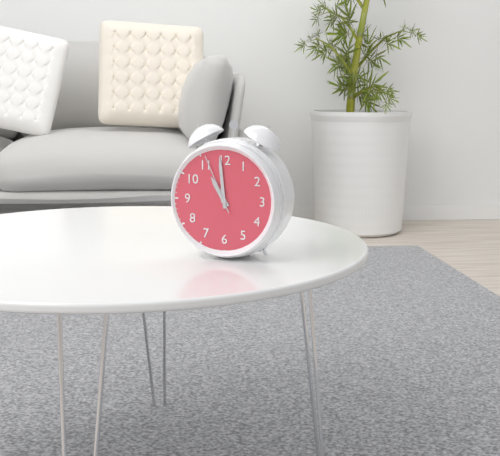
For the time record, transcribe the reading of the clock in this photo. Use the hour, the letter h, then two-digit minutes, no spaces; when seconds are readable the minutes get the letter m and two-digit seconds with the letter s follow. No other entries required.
10h59m56s
